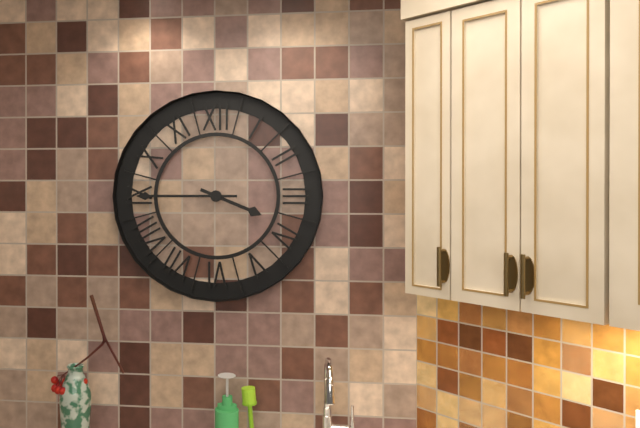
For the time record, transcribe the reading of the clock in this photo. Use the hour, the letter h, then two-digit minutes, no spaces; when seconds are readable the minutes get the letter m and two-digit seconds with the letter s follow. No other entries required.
3h45
